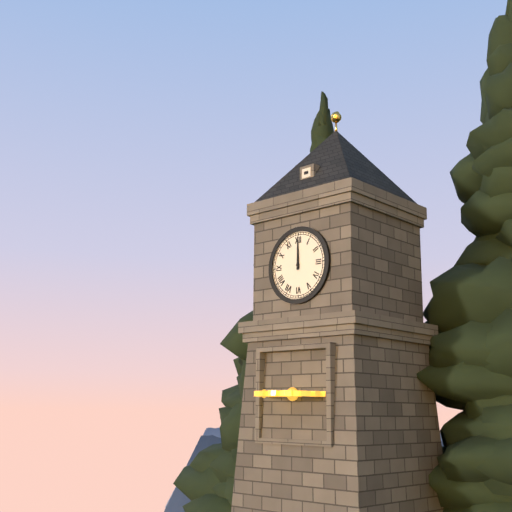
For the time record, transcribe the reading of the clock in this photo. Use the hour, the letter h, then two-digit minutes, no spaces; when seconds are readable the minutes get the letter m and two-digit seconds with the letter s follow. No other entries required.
12h00
